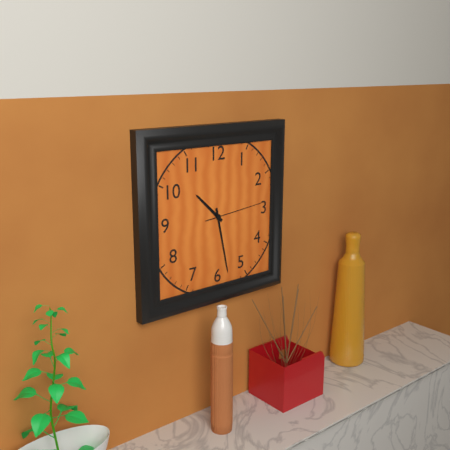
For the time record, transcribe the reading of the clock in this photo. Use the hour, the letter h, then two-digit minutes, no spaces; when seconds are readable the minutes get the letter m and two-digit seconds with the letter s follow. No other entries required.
10h28m14s
